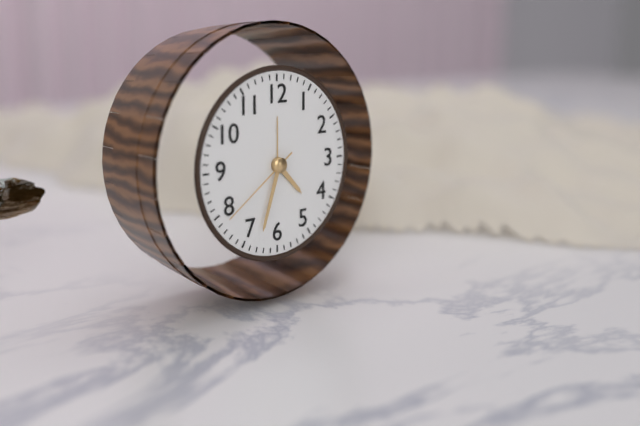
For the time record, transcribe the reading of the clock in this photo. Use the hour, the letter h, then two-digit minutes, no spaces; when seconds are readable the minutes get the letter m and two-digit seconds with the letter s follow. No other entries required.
4h33m39s
